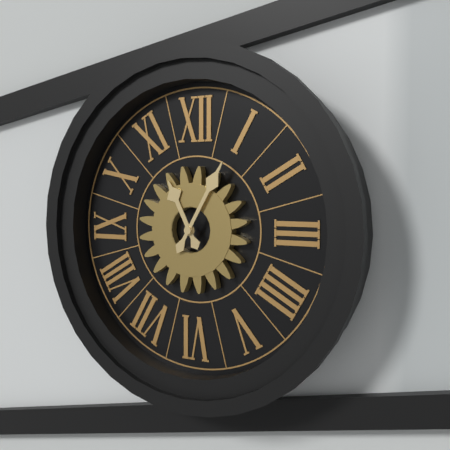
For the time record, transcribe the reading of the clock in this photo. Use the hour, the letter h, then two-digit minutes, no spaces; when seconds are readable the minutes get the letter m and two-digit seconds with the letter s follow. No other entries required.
11h05
